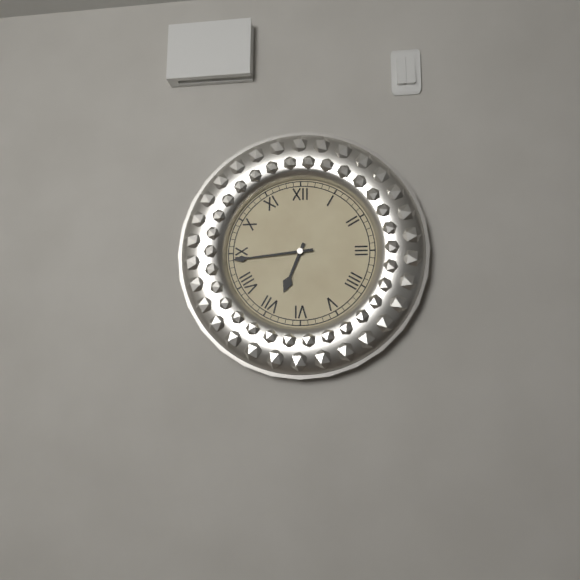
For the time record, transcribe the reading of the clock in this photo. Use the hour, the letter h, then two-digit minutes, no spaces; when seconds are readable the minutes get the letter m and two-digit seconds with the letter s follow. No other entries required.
6h44
